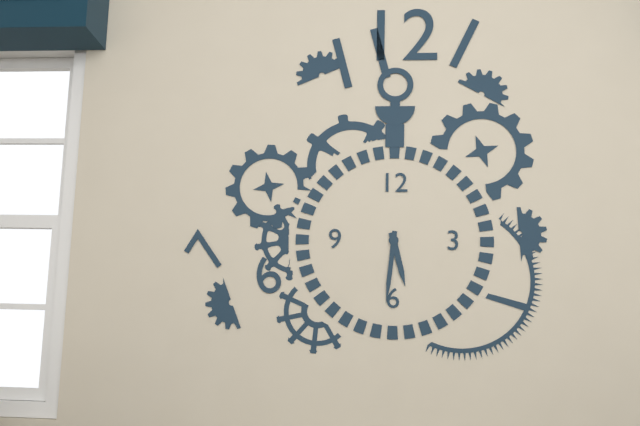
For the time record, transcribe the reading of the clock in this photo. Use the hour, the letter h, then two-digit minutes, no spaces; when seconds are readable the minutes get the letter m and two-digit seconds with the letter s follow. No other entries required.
5h31
